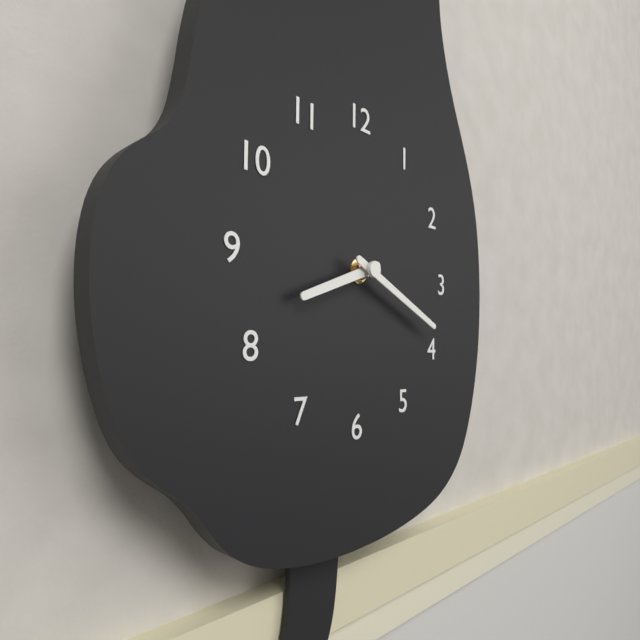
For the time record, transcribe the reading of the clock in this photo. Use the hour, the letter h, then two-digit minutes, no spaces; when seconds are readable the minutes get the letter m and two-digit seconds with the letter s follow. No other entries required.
8h19
